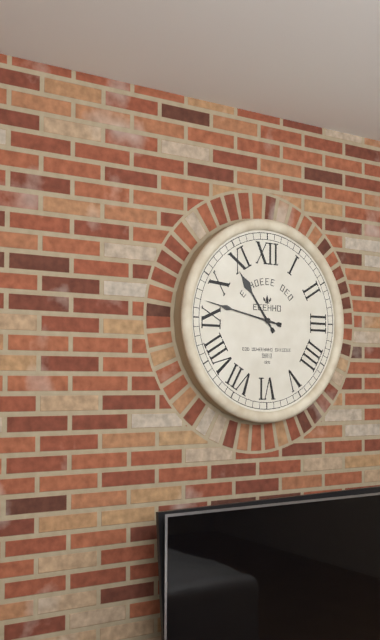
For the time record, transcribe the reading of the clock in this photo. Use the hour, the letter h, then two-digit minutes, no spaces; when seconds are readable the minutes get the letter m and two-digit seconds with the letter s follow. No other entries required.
10h47
